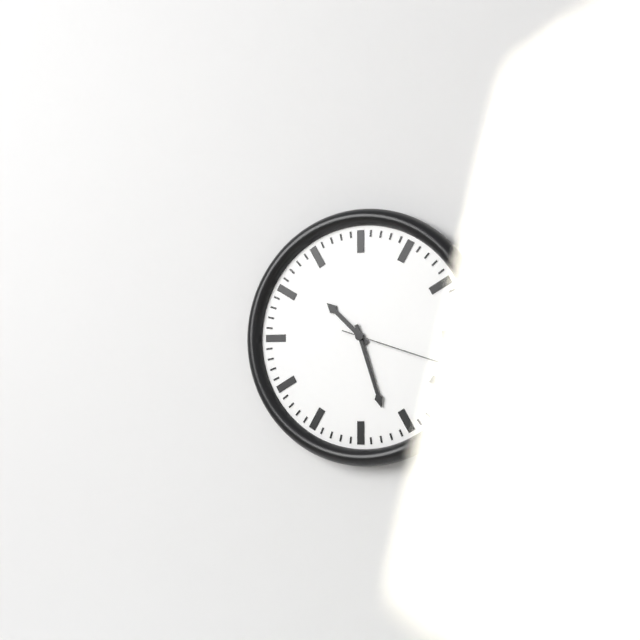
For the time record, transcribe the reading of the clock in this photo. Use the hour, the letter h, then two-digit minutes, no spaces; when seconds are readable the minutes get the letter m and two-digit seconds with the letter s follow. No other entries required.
10h27m18s
